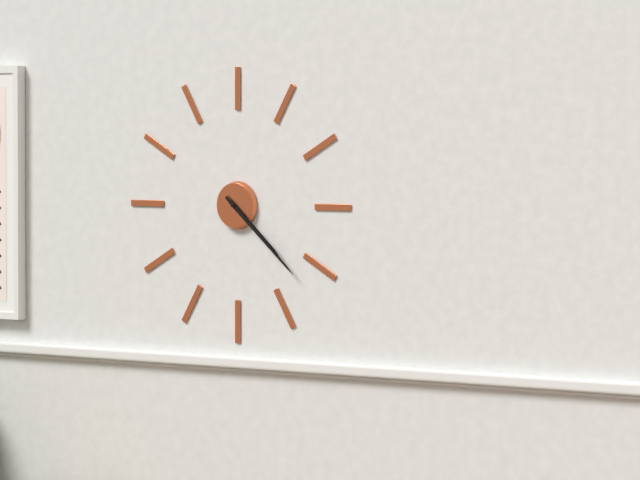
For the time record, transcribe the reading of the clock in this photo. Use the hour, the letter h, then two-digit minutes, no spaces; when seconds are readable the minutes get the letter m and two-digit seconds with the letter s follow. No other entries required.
4h22
